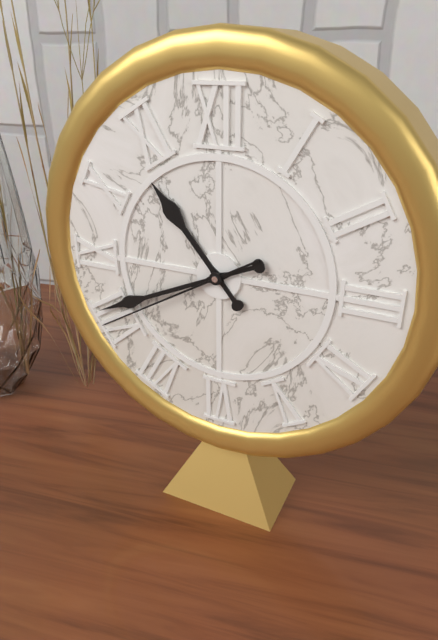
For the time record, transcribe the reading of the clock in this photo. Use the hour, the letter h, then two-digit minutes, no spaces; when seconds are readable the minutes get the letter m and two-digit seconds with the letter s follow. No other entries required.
10h41m40s
